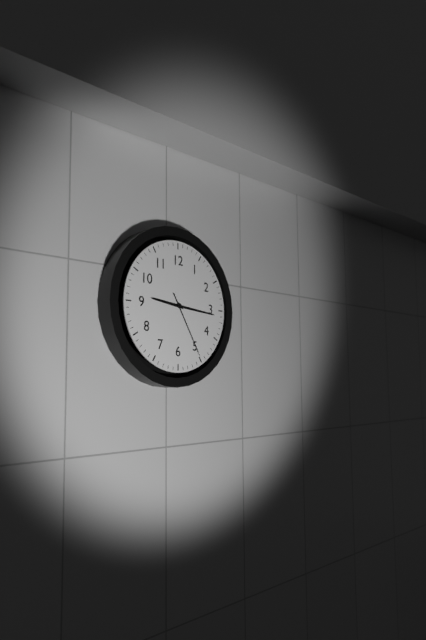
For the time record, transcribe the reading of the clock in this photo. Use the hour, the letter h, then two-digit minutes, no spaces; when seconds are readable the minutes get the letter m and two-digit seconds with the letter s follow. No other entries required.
9h16m25s
